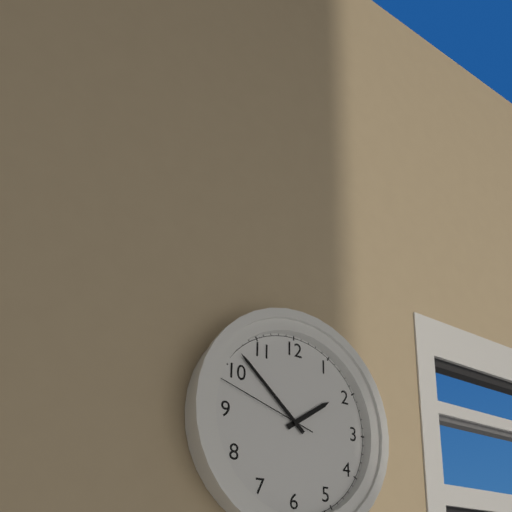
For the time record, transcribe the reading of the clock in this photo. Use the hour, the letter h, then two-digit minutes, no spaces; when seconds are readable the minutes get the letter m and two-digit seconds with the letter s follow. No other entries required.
1h52m48s
